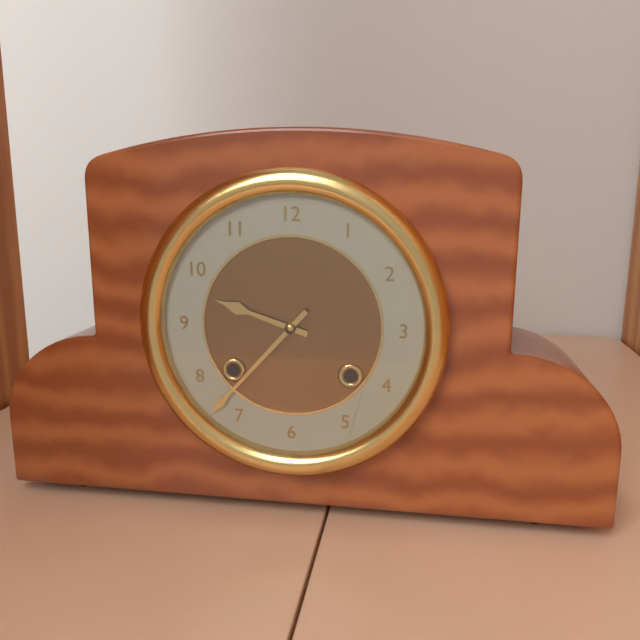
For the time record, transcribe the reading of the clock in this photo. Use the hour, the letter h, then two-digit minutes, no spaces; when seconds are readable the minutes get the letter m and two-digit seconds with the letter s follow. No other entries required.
9h37
